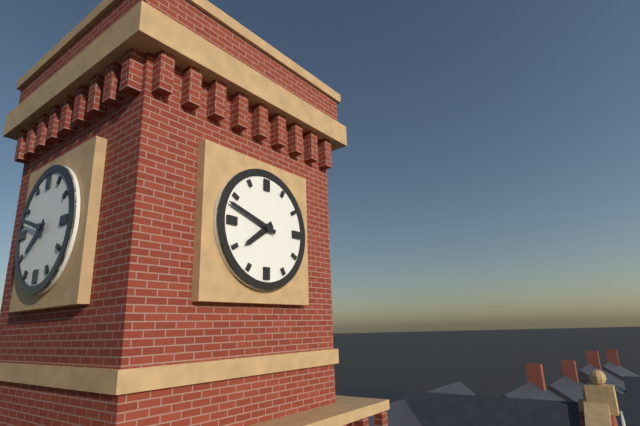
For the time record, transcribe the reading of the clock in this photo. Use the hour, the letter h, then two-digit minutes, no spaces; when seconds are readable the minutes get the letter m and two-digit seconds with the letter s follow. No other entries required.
7h48
